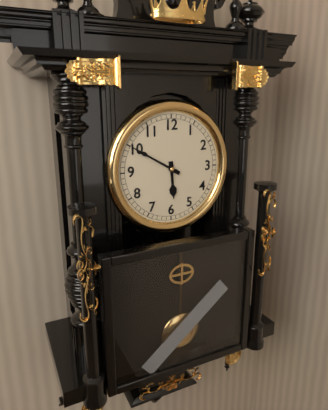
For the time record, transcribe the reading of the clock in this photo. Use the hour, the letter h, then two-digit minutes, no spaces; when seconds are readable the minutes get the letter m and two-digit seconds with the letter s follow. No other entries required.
5h50
